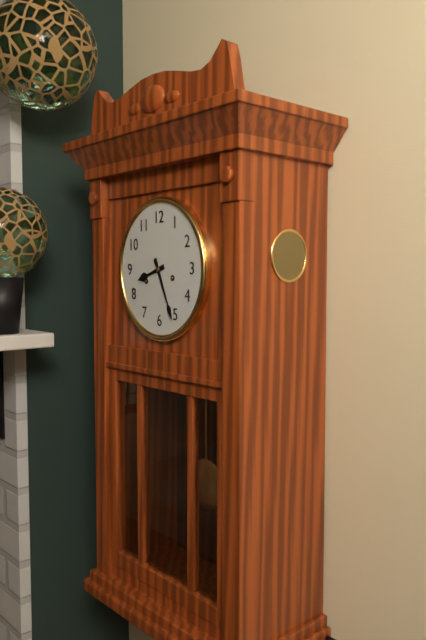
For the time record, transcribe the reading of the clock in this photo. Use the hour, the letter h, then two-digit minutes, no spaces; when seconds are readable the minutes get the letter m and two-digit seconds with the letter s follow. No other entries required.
8h26
